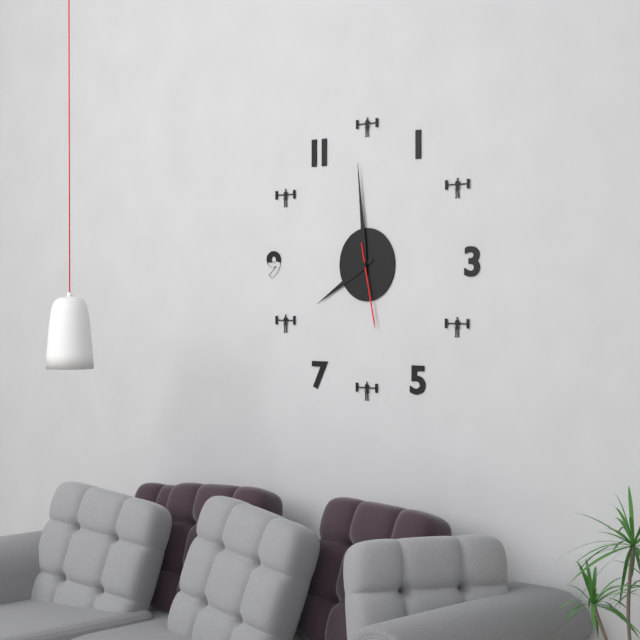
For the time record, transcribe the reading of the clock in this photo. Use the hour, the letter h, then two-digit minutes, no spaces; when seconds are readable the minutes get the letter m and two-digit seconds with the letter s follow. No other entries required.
7h59m28s
